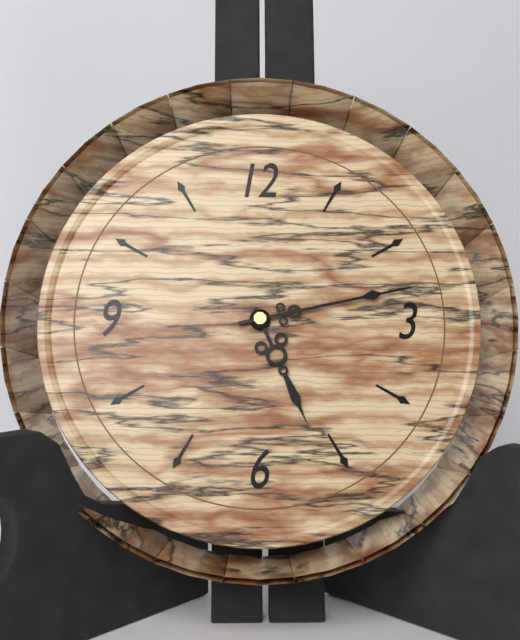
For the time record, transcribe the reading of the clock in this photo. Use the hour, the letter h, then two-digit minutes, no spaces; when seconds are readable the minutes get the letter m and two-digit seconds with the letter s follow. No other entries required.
5h13
